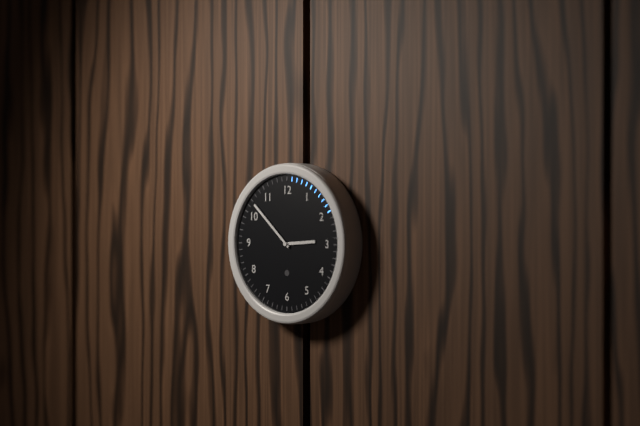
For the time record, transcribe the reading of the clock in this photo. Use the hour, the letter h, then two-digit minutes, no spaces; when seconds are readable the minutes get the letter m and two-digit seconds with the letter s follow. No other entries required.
2h52
